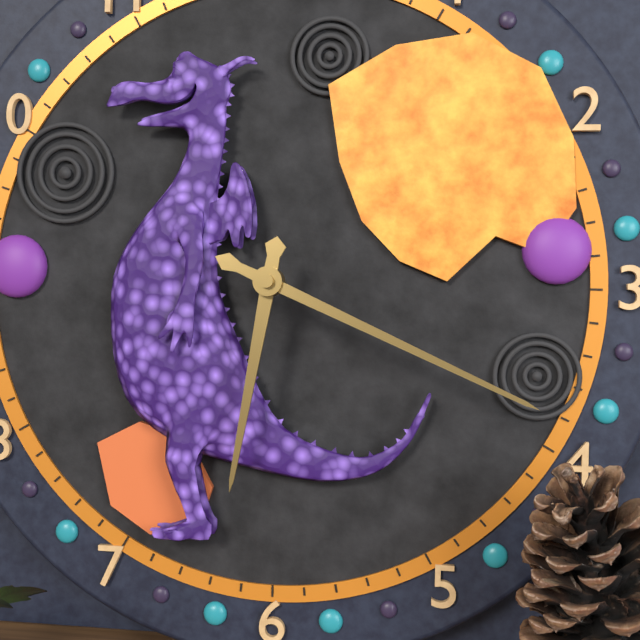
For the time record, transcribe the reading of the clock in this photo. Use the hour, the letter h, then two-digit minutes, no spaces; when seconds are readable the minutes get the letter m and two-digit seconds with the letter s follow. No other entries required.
6h19
